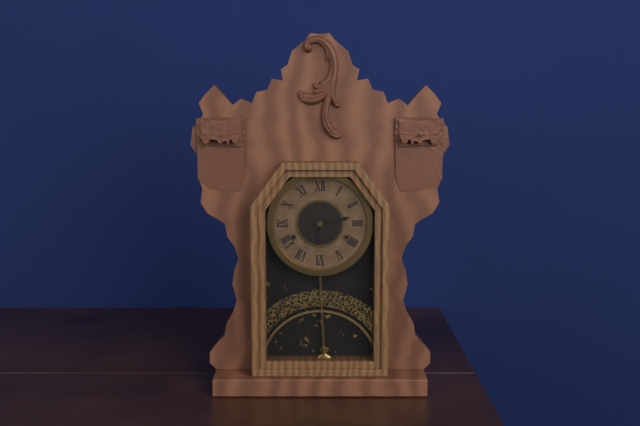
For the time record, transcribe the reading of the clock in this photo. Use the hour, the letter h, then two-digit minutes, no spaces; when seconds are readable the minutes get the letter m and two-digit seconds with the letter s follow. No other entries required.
6h13
